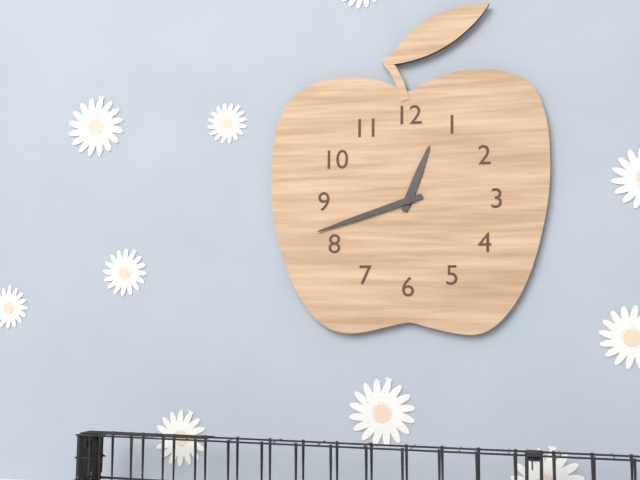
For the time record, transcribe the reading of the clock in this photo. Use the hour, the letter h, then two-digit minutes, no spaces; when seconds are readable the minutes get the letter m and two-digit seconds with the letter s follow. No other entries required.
12h42
